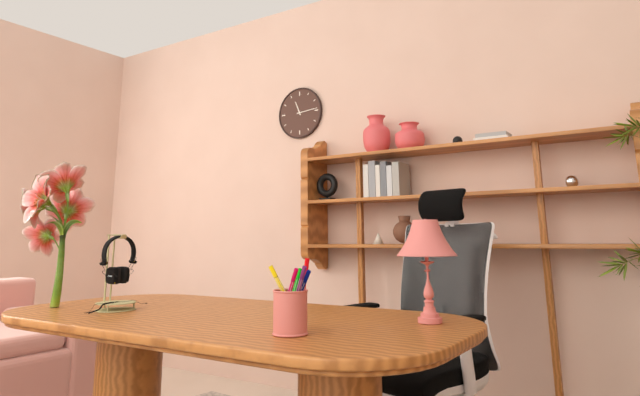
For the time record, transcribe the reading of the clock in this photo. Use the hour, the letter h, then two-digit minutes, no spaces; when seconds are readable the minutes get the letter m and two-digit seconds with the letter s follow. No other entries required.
11h14
